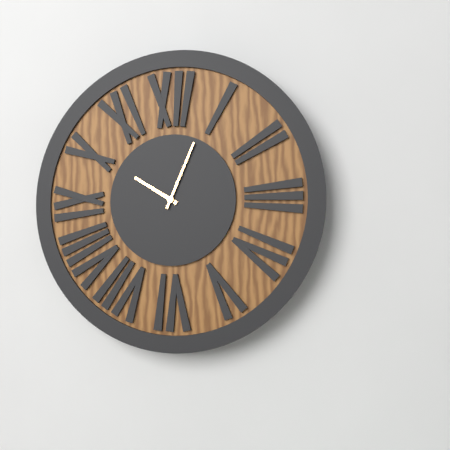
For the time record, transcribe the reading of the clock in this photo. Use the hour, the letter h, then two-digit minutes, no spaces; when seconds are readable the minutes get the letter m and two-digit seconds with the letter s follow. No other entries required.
10h04
